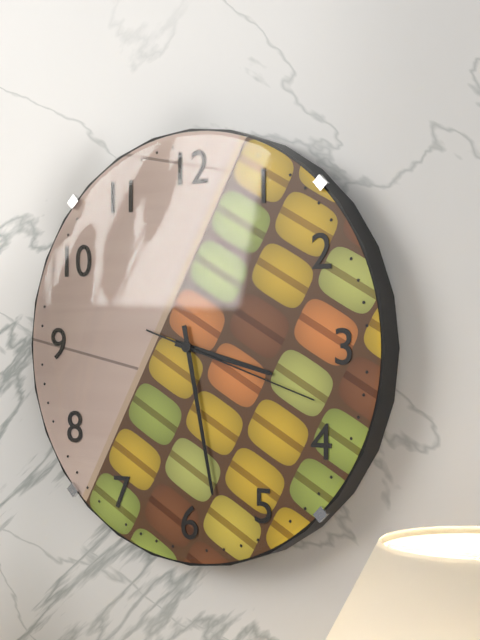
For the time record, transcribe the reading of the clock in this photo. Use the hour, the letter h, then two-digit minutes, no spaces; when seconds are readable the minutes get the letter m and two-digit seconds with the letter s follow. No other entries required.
3h28m18s
